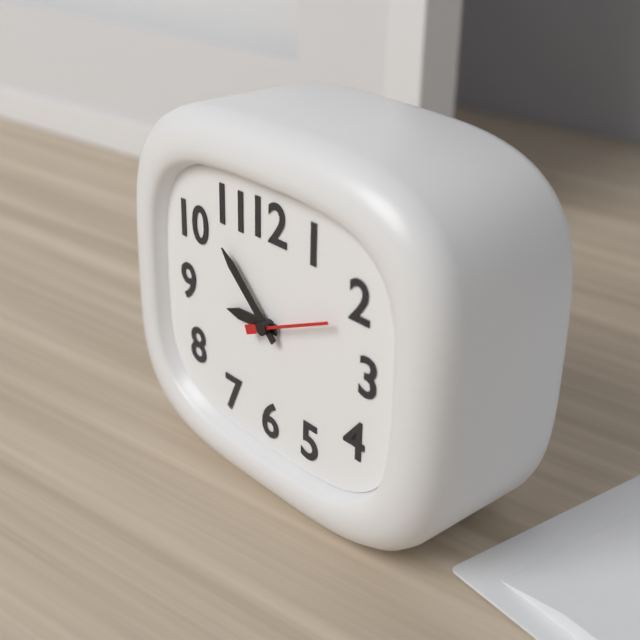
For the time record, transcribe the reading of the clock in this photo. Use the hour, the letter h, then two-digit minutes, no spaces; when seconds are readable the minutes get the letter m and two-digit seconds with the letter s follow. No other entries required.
8h52m11s
